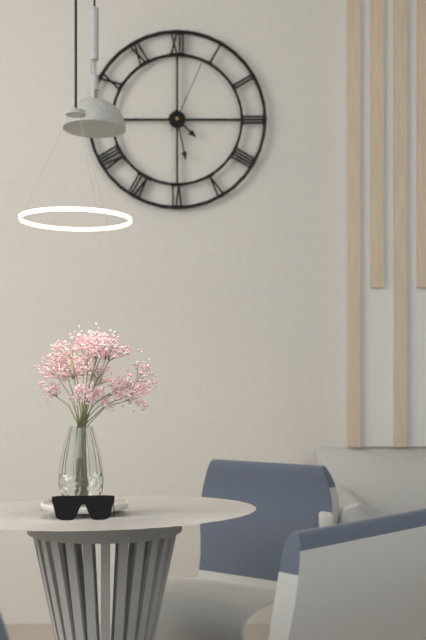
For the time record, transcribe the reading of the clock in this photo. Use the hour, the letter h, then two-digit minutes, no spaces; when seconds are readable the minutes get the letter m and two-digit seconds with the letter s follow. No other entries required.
4h28m04s
